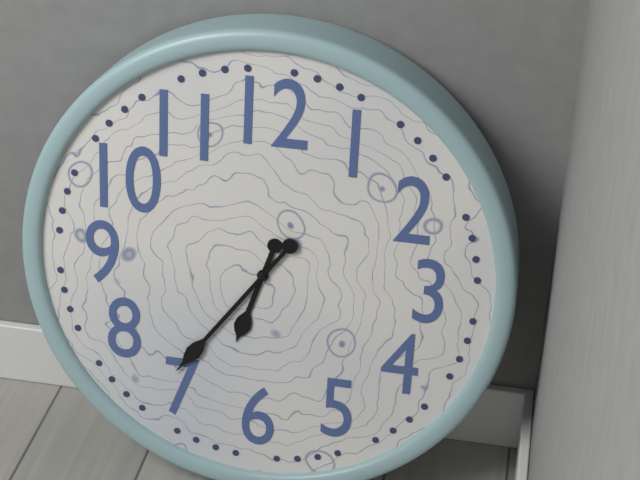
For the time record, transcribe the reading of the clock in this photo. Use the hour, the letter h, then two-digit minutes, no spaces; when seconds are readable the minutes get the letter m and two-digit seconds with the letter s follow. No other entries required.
6h36
